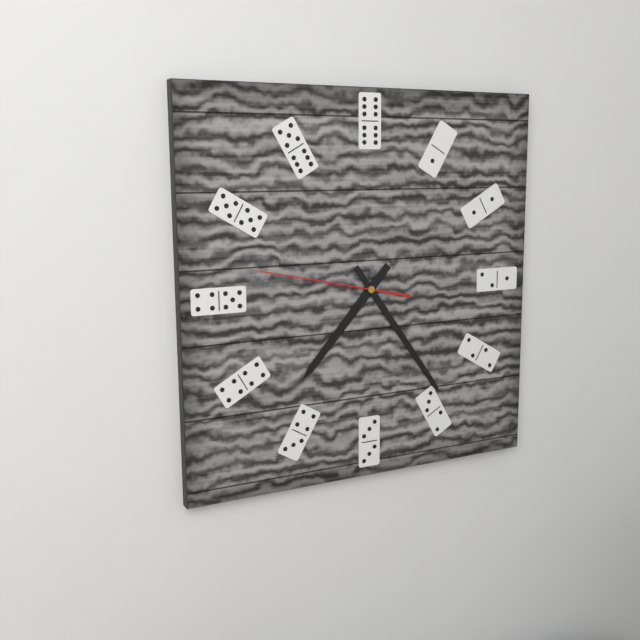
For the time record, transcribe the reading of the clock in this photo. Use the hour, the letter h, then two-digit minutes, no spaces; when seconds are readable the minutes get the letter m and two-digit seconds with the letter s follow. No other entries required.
7h24m47s
